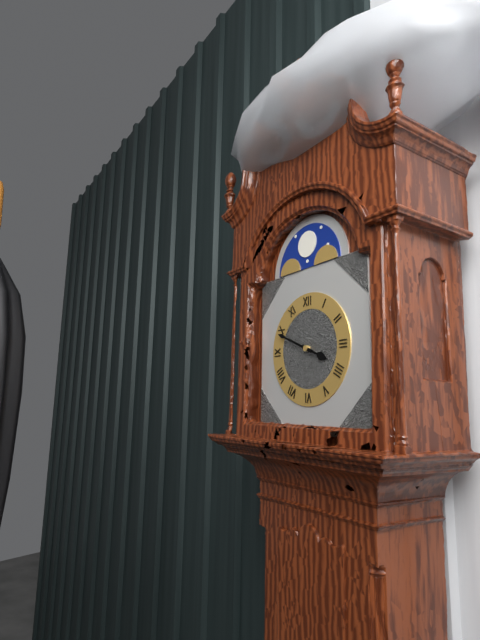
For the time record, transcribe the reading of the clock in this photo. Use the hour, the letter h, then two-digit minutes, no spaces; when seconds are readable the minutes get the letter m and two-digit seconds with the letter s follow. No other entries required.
3h49
